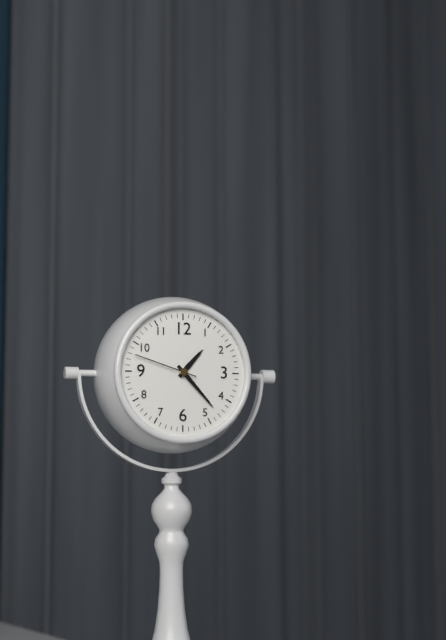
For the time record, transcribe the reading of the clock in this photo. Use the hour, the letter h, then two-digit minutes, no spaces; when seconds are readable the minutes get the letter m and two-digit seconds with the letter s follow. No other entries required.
1h23m48s
